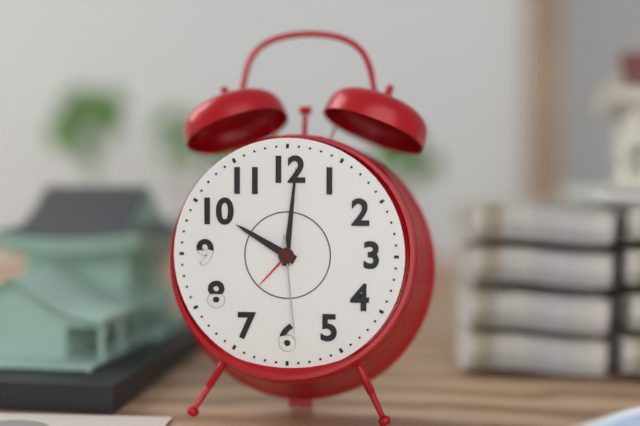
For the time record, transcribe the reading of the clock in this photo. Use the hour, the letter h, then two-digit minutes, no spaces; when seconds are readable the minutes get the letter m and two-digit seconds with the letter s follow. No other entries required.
10h01m29s
